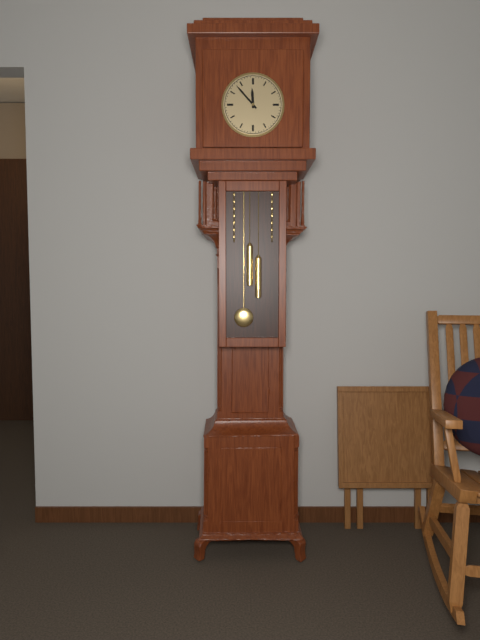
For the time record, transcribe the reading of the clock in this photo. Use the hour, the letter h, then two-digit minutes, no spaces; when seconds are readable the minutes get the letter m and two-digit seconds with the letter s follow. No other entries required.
11h53
